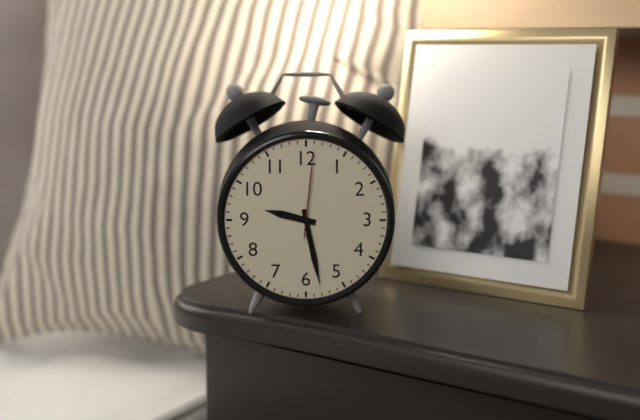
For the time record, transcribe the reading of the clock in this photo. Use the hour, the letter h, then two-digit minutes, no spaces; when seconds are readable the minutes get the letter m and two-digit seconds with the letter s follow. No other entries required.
9h28m01s
